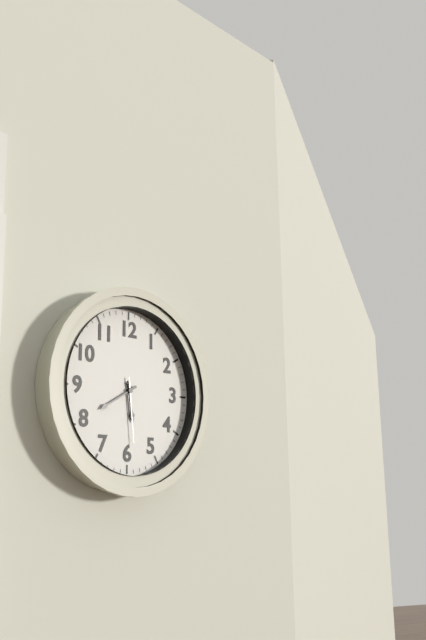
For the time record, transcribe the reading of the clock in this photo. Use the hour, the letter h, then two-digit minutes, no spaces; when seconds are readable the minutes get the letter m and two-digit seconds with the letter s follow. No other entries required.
5h40m29s
